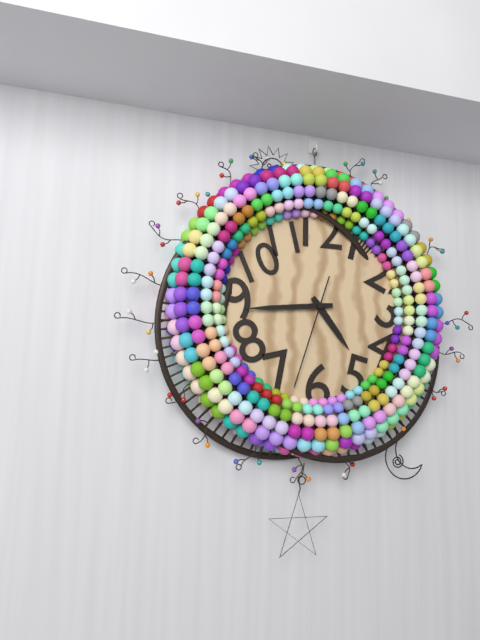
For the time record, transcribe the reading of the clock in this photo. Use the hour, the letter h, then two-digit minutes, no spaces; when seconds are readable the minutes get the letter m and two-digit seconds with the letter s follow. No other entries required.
4h44m33s
